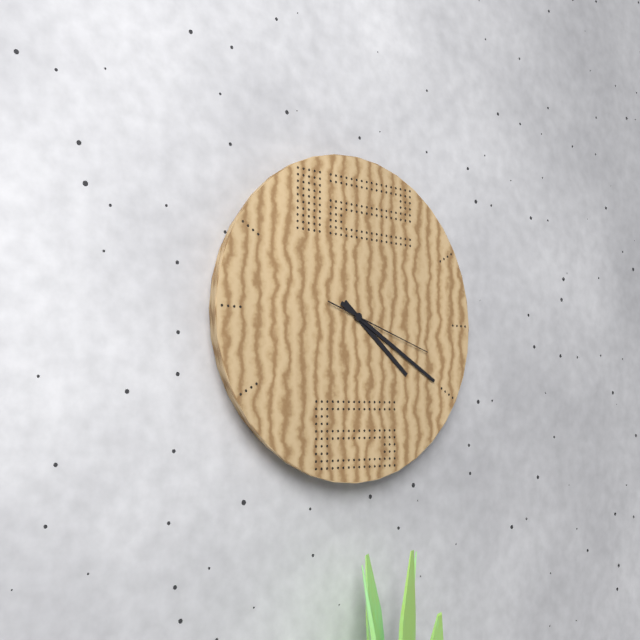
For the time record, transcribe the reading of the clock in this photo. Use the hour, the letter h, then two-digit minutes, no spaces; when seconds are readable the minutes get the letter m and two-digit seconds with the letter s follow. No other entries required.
4h20m18s
